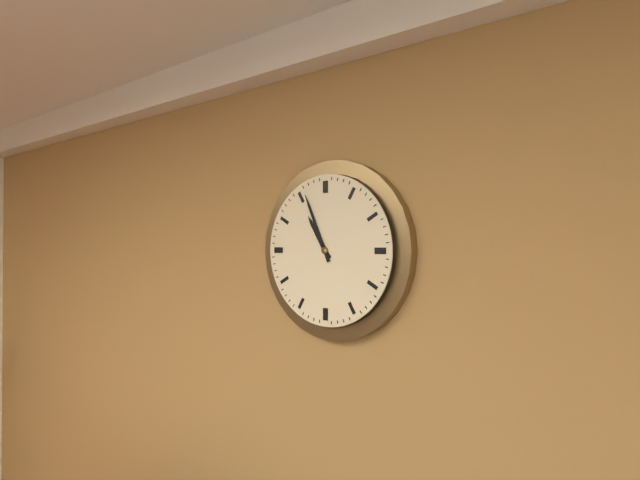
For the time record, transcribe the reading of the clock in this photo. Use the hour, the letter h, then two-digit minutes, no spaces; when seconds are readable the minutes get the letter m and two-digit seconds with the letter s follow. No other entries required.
10h56
